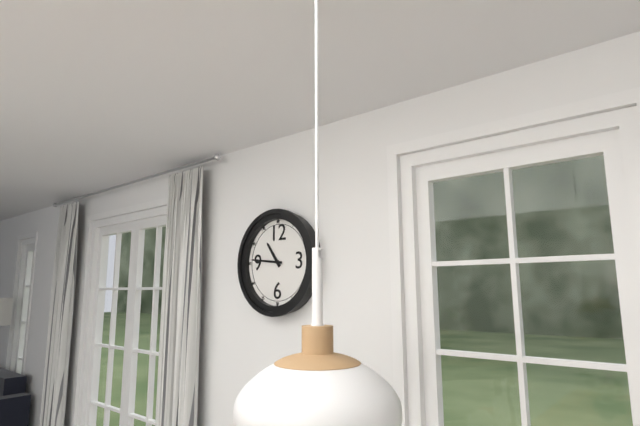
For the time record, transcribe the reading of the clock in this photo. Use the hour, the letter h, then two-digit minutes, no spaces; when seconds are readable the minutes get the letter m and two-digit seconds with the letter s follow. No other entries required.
10h46
